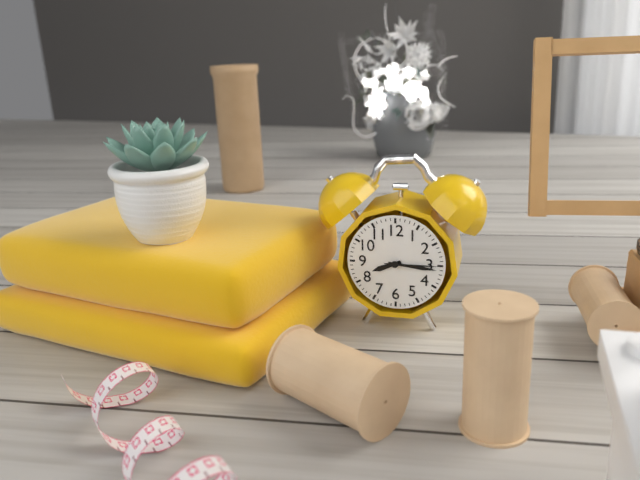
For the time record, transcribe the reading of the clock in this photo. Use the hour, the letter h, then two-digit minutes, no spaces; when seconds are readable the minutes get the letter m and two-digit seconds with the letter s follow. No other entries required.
8h16m15s
